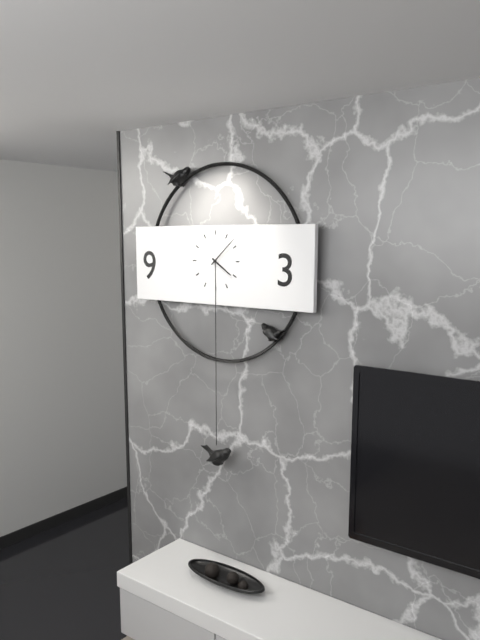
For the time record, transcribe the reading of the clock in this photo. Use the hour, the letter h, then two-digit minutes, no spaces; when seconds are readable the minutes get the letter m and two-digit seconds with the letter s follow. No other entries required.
4h08
